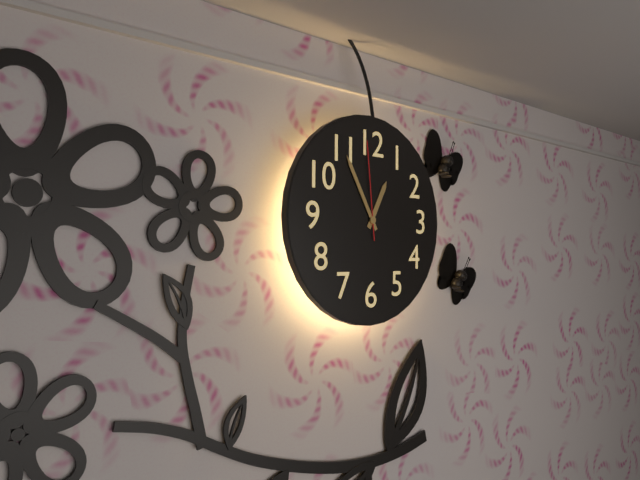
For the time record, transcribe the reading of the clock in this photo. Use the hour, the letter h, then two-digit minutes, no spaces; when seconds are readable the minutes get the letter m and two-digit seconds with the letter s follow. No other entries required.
12h55m59s
